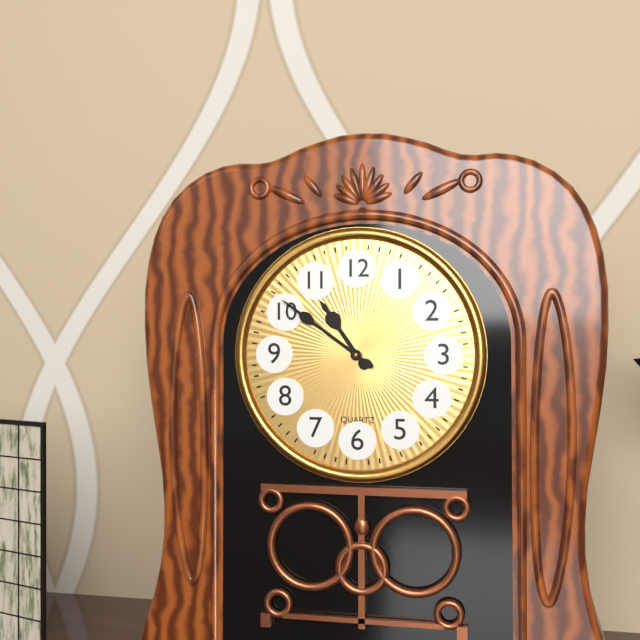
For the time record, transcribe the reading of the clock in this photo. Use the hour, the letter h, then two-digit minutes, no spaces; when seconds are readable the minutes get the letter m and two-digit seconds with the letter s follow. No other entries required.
10h51
